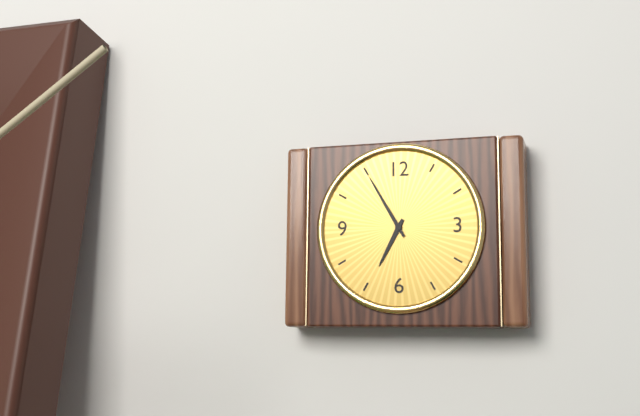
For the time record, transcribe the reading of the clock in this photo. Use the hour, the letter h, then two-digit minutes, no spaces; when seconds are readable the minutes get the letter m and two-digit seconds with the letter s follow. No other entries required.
6h55
